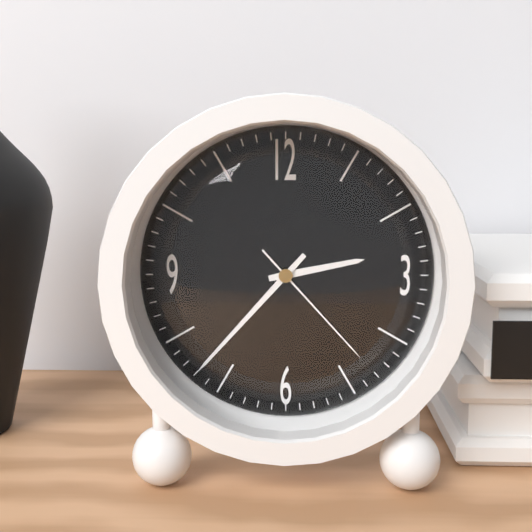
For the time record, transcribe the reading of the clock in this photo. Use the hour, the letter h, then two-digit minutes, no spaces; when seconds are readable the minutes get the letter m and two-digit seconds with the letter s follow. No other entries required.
2h37m23s
